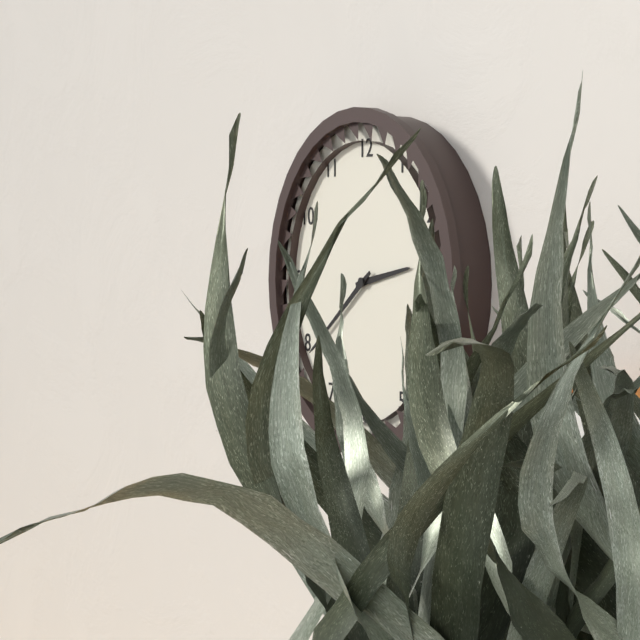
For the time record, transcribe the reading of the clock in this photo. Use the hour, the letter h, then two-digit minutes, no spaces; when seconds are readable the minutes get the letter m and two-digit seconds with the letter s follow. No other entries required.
2h39
